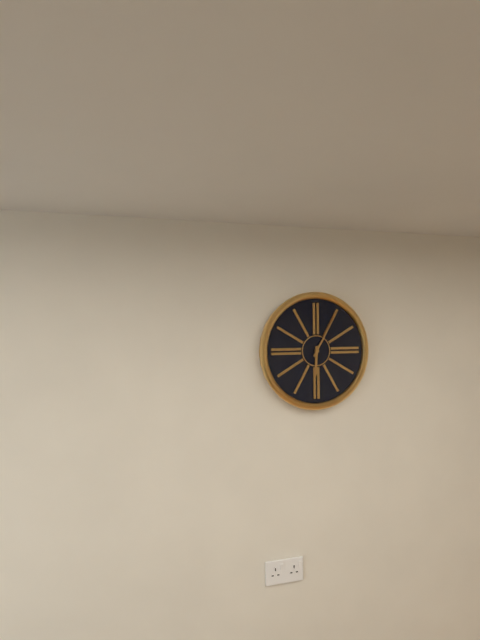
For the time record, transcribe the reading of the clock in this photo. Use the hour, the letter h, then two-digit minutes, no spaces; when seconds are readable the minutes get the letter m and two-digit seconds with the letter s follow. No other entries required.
6h05
